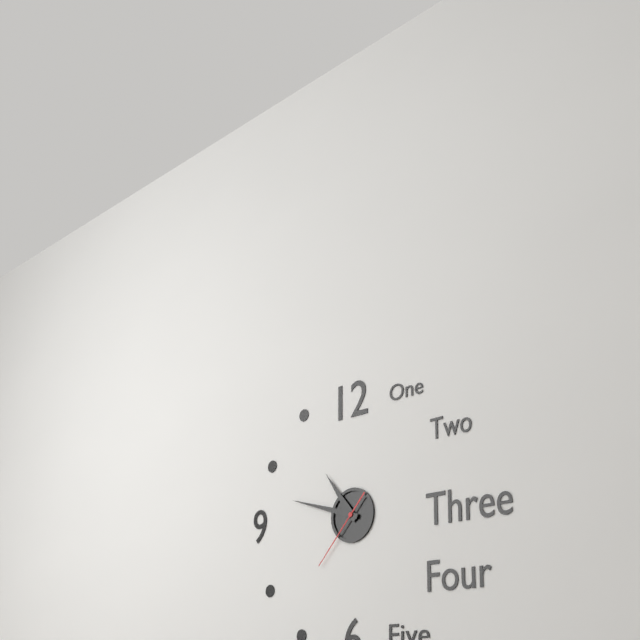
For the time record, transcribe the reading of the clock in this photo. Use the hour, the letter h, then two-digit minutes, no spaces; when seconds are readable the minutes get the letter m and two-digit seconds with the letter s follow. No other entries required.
10h48m37s
